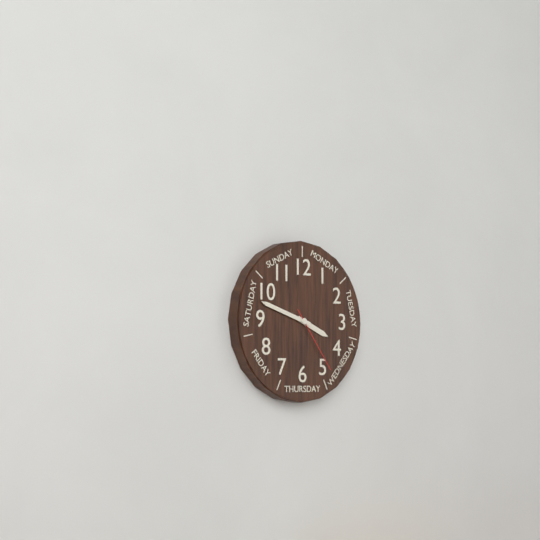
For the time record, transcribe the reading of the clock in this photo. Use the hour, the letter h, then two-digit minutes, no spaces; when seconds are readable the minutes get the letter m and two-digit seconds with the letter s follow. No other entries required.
3h48m24s
